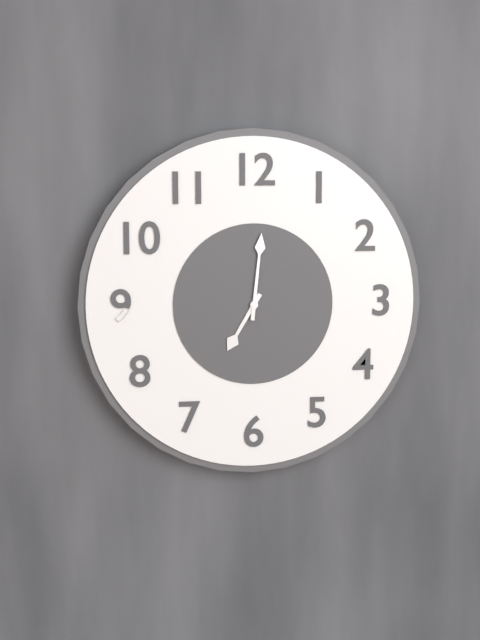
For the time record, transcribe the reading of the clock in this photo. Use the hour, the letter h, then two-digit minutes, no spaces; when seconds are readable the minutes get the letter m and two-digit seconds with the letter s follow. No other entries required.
7h01
